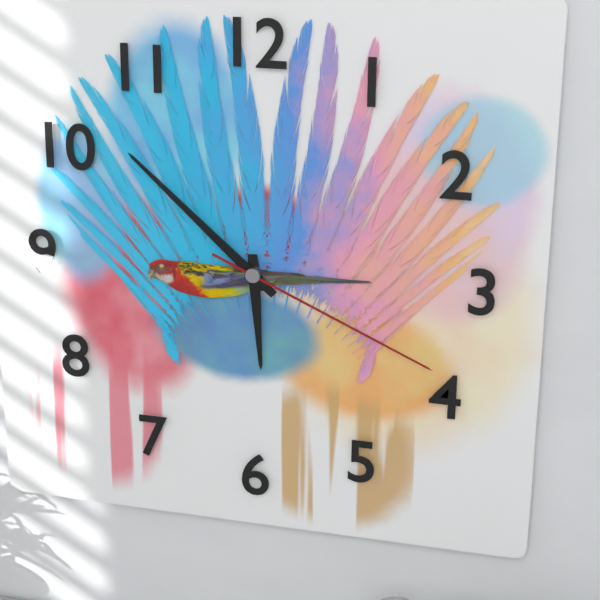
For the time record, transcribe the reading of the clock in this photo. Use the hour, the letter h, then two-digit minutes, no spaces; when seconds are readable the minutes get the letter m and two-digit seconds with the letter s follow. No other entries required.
5h52m19s
